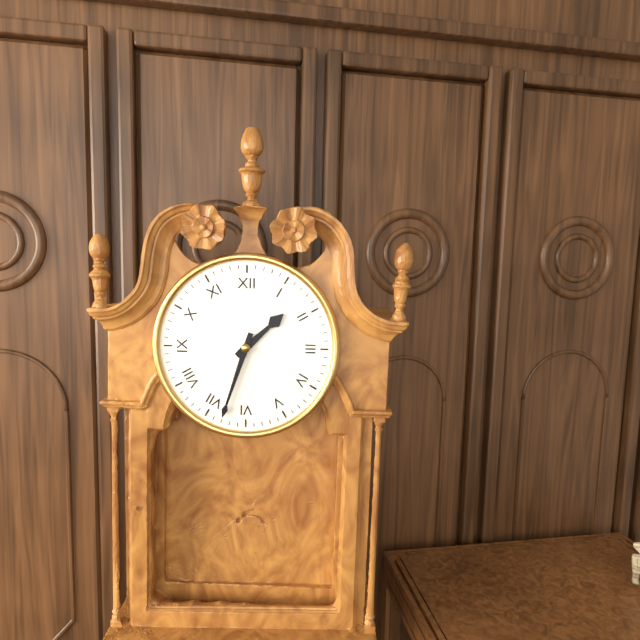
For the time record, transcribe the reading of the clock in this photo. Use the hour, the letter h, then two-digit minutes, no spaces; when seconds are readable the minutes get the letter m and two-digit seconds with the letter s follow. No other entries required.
1h33
